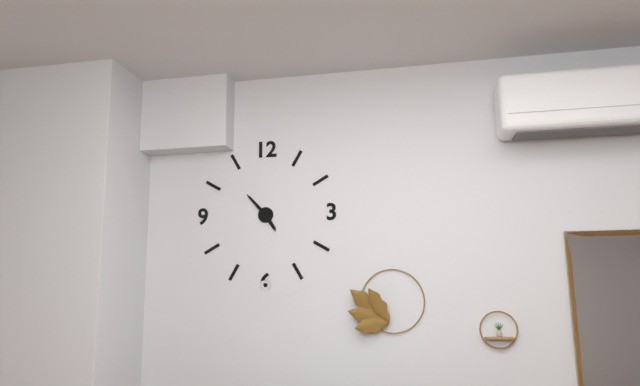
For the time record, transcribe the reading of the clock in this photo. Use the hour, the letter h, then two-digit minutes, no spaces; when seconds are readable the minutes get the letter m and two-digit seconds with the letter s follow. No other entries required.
4h53
